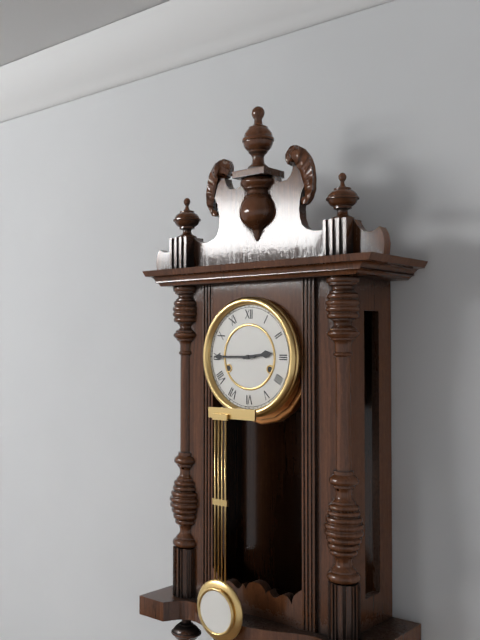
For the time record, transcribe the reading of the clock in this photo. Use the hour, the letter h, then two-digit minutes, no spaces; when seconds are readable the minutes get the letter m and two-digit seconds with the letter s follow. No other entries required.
2h45
